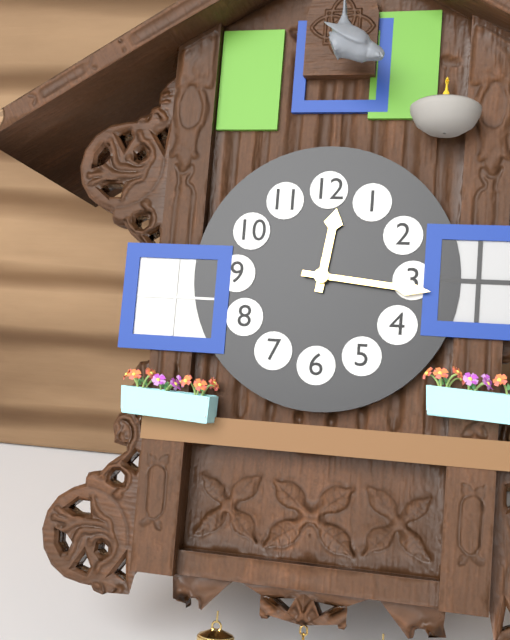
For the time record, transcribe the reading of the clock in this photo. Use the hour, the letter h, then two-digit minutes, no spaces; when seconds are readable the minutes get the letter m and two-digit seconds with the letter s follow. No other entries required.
12h16
